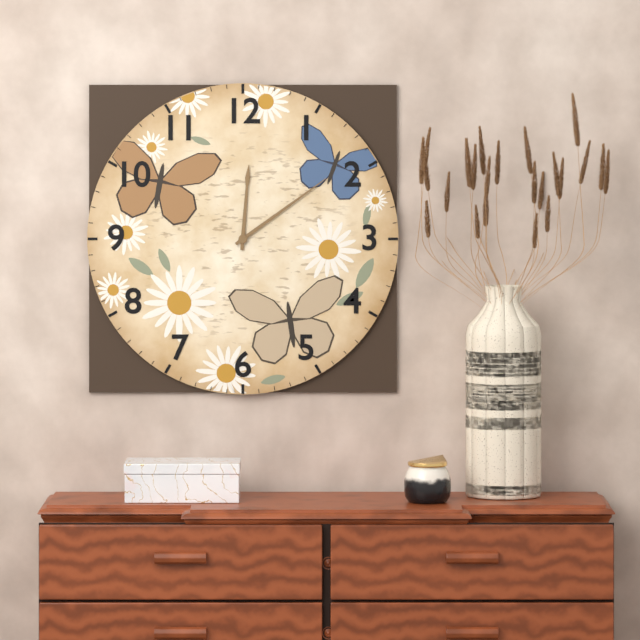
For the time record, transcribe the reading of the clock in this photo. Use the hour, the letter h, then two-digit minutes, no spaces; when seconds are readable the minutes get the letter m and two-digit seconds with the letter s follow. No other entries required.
12h09
